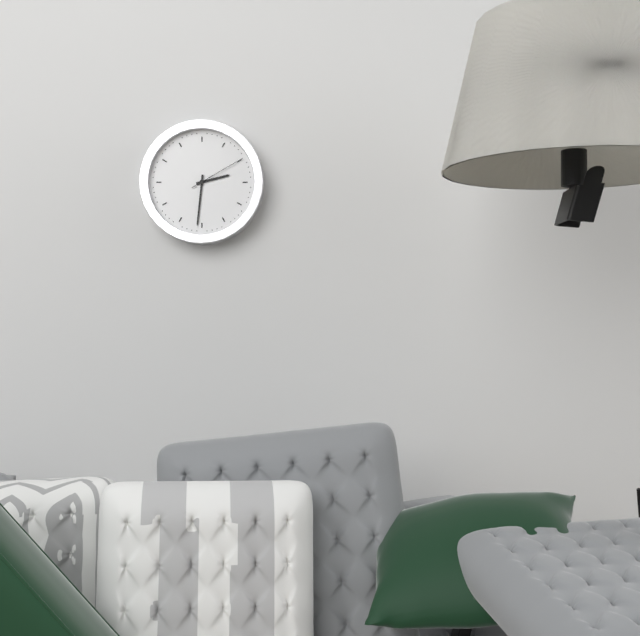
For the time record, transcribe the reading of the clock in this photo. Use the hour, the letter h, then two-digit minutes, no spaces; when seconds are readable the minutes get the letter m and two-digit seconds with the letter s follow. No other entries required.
2h31m10s
